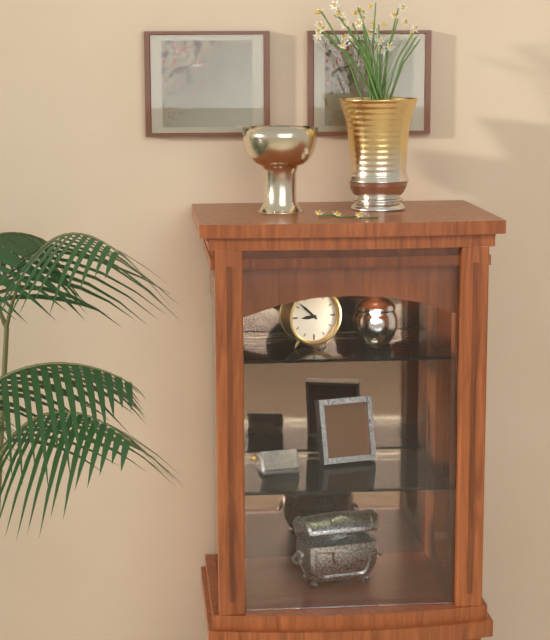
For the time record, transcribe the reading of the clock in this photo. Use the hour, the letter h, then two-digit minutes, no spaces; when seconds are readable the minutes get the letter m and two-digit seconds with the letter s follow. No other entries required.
8h52
